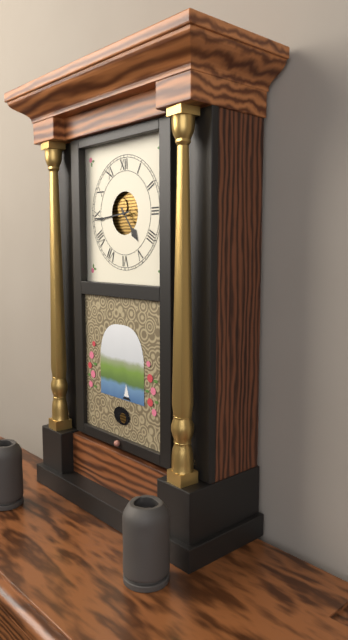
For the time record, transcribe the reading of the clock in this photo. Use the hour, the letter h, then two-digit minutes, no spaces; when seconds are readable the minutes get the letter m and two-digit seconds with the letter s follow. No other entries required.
4h44
